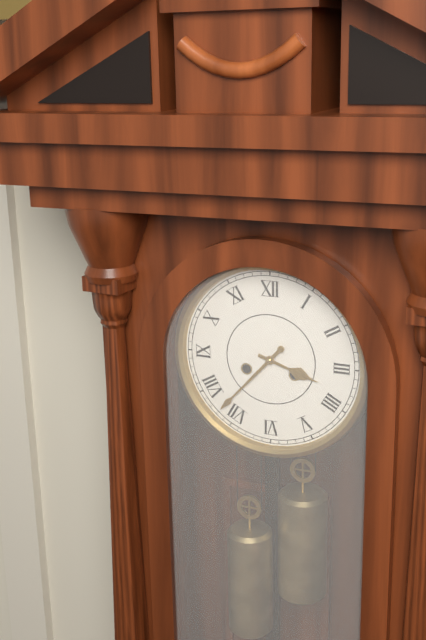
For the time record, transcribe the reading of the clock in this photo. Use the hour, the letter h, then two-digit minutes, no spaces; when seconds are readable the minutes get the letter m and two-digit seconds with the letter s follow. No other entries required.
3h37
